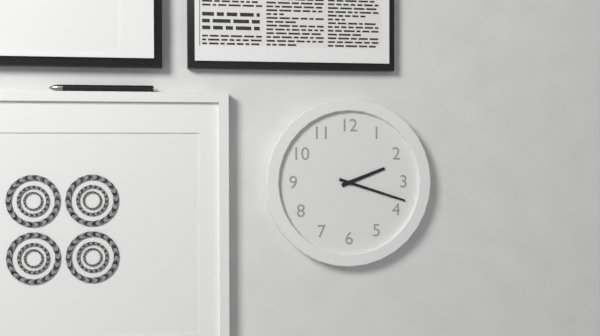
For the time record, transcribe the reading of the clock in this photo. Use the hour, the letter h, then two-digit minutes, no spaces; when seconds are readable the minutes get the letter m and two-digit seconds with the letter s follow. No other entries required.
2h18
